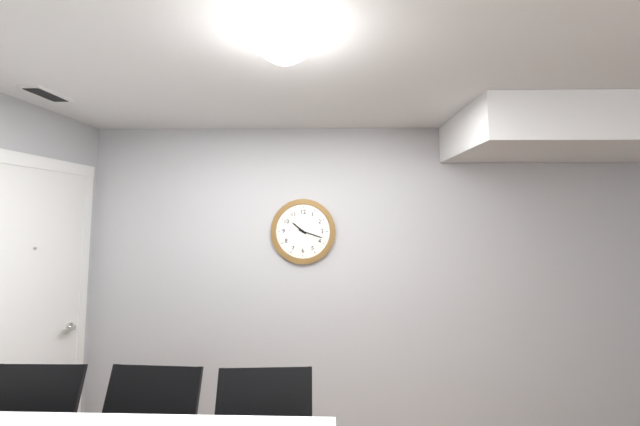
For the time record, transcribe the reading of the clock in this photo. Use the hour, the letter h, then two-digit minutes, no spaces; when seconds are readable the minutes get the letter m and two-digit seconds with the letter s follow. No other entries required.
10h18
